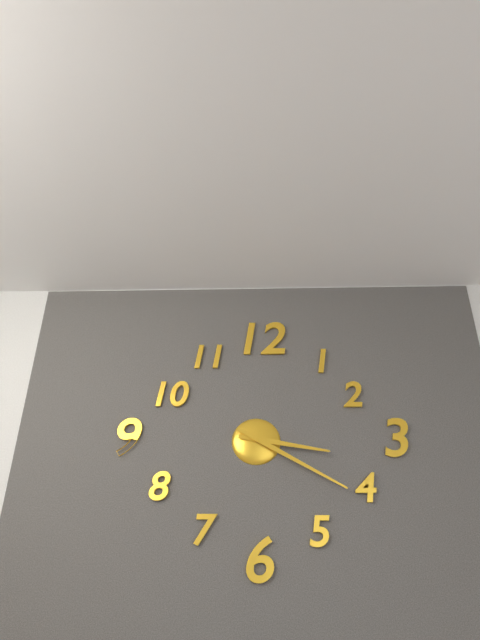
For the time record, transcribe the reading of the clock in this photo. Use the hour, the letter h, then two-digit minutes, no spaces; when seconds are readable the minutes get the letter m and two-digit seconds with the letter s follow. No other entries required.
3h20
